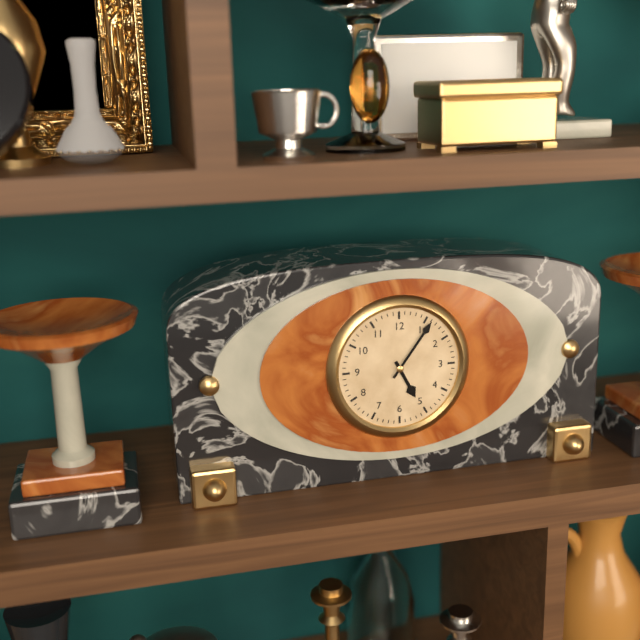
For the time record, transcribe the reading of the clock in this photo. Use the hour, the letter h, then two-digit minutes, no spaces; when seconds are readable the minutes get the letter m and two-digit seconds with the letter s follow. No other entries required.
5h06
